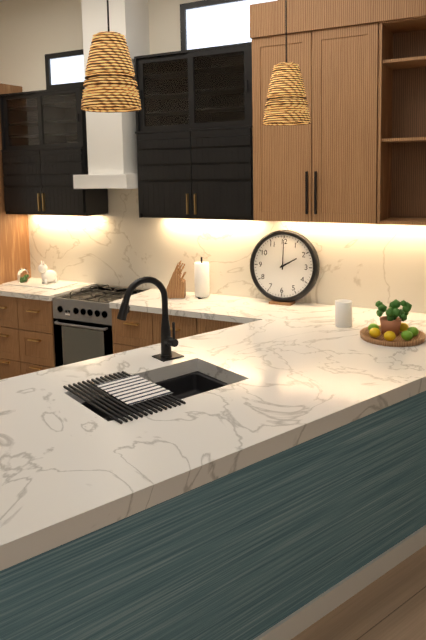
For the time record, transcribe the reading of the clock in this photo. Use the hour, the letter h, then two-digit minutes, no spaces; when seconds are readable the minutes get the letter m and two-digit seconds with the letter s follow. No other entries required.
2h00
